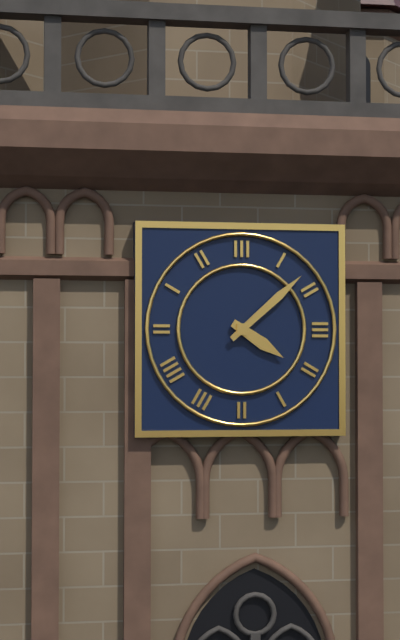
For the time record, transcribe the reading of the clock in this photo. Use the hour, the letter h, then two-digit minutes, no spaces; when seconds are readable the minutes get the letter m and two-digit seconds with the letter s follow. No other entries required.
4h08
